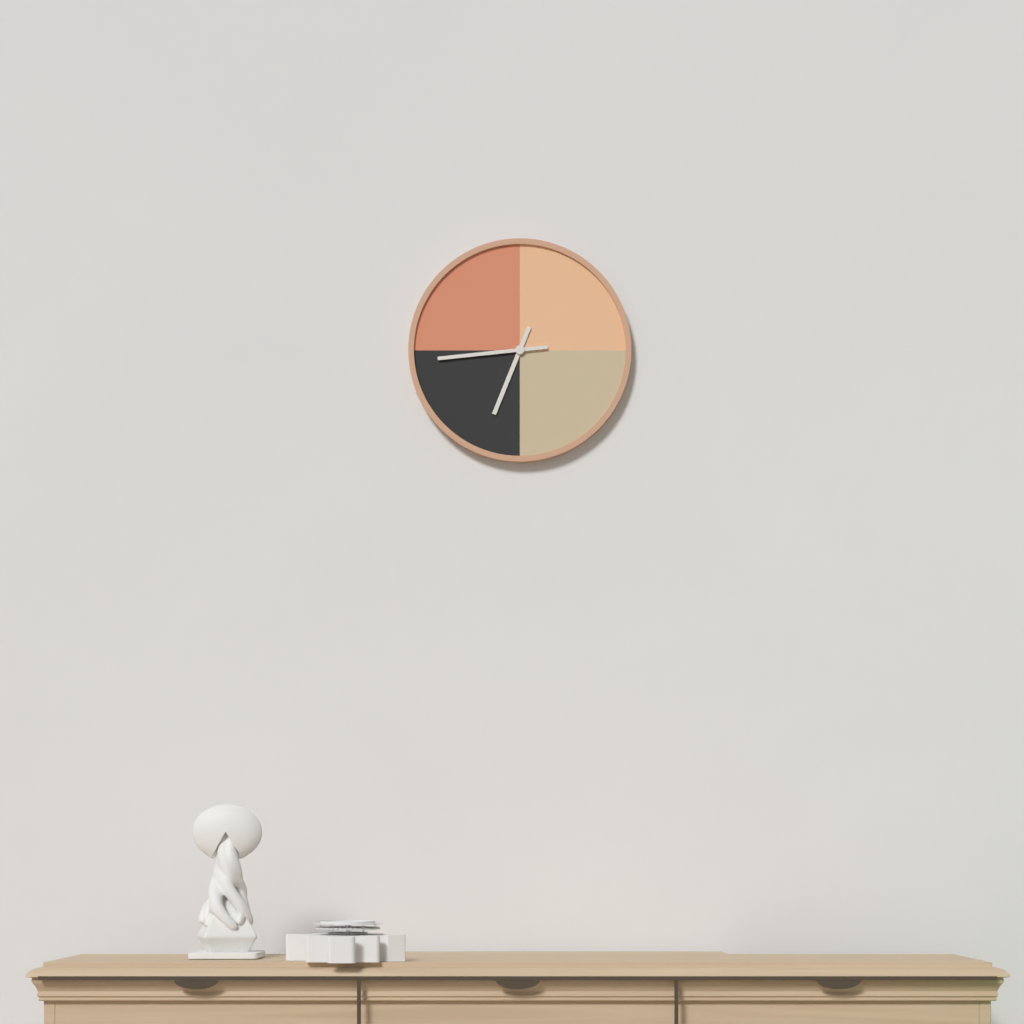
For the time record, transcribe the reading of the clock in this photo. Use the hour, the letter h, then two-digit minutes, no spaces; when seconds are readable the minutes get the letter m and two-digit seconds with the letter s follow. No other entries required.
6h44
